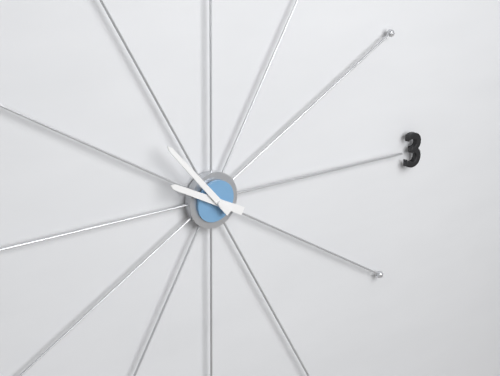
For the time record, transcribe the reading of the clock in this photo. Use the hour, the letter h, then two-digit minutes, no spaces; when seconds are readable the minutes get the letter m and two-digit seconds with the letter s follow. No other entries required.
9h53
